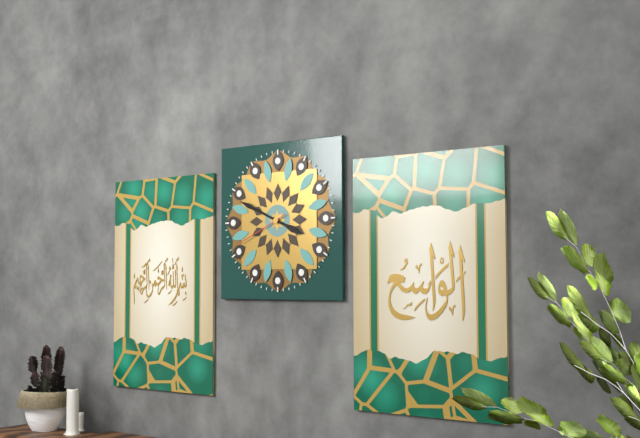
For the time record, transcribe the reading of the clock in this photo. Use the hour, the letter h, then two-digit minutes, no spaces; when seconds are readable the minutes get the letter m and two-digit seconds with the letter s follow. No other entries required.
3h49m41s
